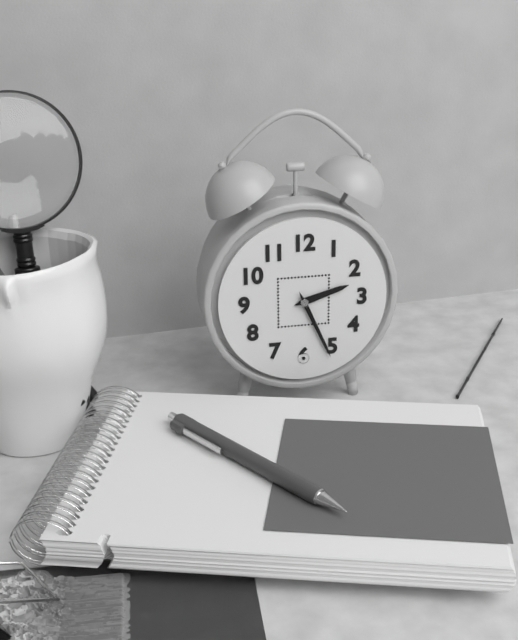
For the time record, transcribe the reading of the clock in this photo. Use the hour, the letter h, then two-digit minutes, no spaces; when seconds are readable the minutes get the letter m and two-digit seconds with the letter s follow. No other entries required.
2h26
